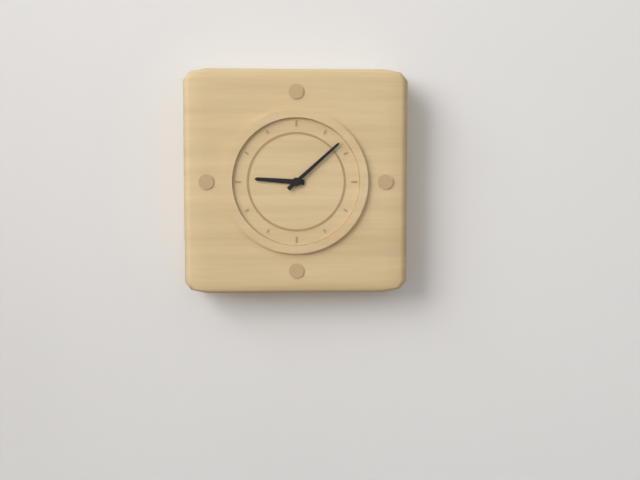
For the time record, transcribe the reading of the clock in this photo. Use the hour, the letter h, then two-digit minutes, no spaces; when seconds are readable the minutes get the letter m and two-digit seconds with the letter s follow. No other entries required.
9h08
